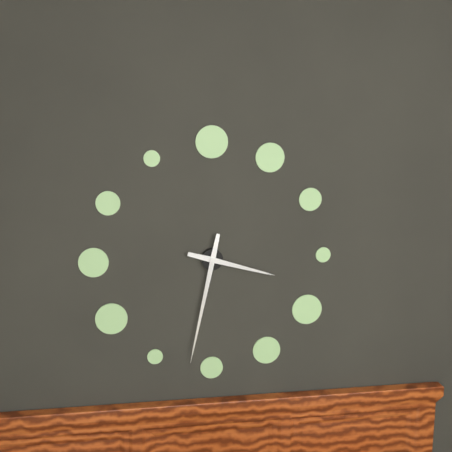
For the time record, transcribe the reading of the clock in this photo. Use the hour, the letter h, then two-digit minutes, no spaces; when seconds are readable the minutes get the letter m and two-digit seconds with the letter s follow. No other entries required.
3h32
